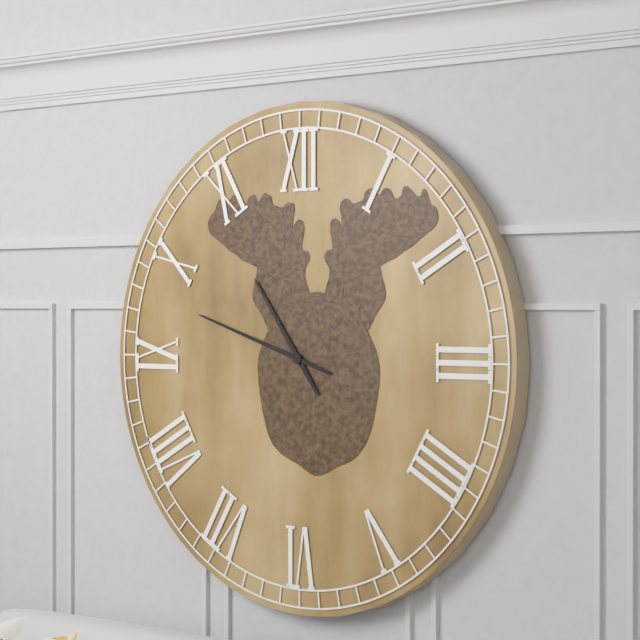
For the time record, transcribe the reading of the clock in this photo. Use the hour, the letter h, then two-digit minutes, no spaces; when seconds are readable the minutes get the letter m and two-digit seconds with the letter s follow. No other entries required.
10h48
